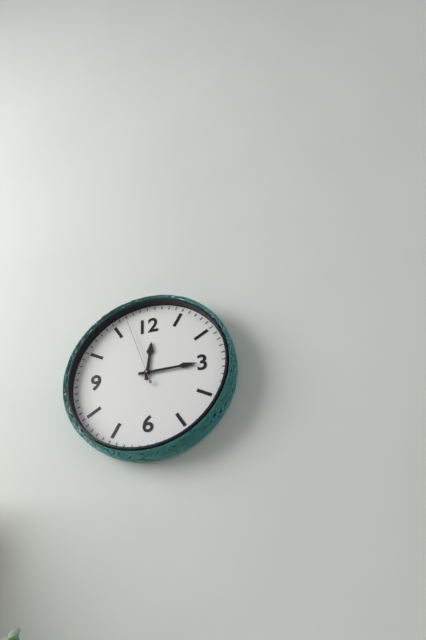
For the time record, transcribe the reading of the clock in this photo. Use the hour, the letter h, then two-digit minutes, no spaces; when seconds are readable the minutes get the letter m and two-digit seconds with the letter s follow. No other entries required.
12h15m57s
